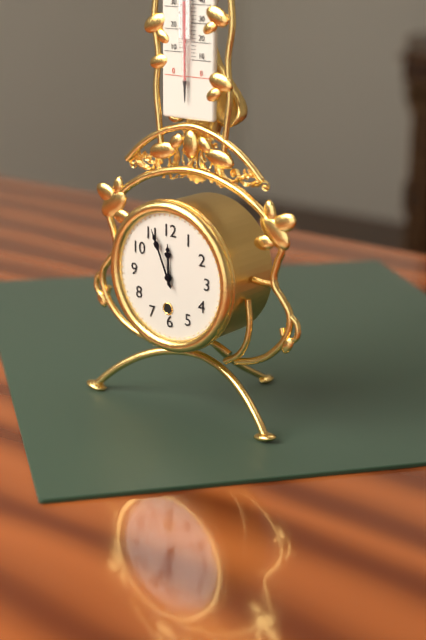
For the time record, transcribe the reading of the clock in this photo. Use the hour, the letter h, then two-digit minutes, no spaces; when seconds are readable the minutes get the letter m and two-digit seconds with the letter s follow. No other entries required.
11h56
